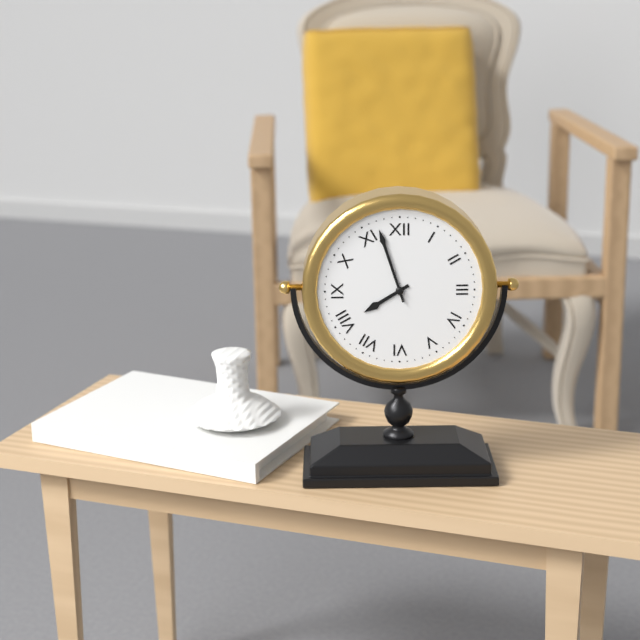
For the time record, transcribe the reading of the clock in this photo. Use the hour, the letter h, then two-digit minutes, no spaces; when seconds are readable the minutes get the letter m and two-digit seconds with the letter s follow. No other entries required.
7h57
